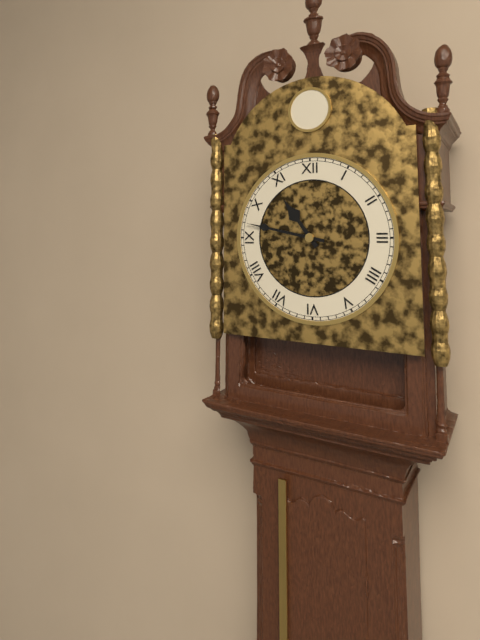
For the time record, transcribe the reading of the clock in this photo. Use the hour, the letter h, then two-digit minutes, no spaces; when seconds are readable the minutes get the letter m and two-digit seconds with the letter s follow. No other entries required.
10h47
